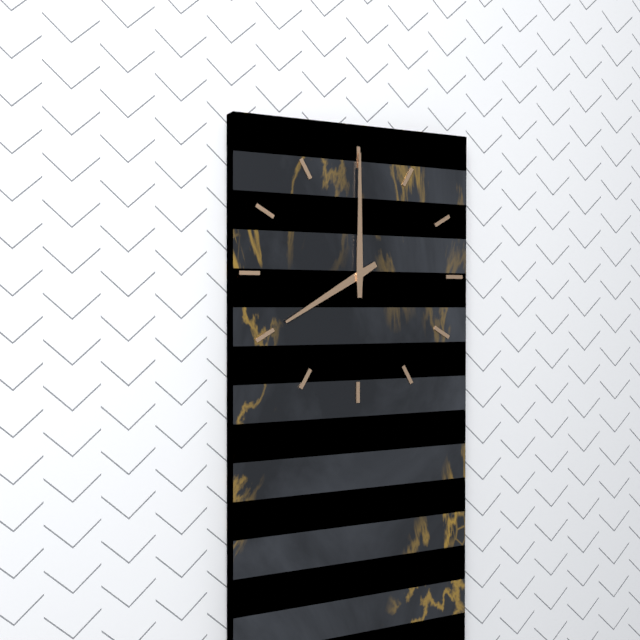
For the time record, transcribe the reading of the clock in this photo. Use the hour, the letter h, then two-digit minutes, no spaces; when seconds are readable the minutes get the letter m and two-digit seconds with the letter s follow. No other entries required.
8h00
